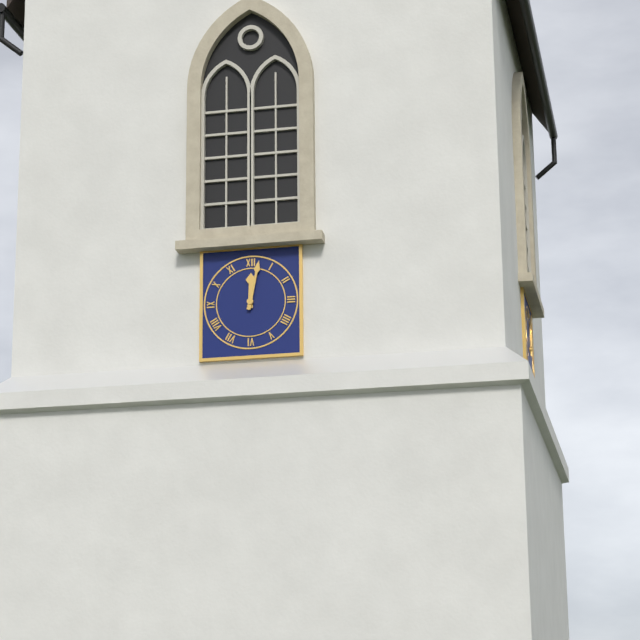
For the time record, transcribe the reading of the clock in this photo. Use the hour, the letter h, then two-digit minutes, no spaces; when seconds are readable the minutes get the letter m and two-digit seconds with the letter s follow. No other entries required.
12h02
